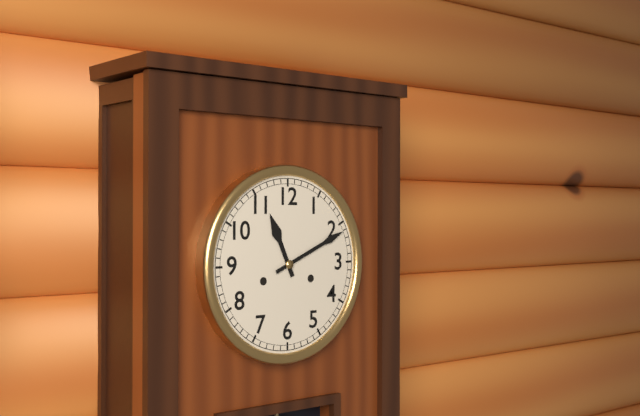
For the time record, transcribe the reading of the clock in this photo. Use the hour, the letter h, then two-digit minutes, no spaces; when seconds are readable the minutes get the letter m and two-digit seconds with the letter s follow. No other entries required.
11h11
